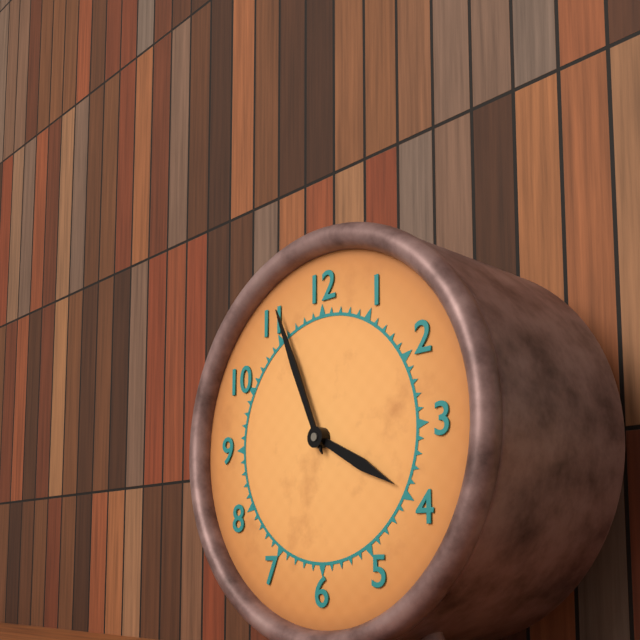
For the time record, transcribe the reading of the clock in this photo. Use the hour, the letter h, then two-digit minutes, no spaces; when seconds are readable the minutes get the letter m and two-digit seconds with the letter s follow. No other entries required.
3h56
